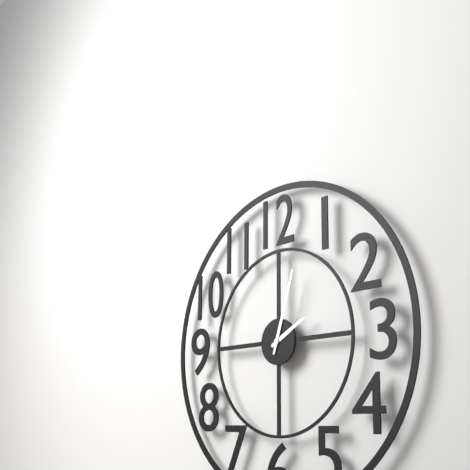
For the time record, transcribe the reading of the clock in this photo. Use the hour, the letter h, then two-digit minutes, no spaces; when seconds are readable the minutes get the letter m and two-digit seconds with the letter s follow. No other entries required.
2h03
